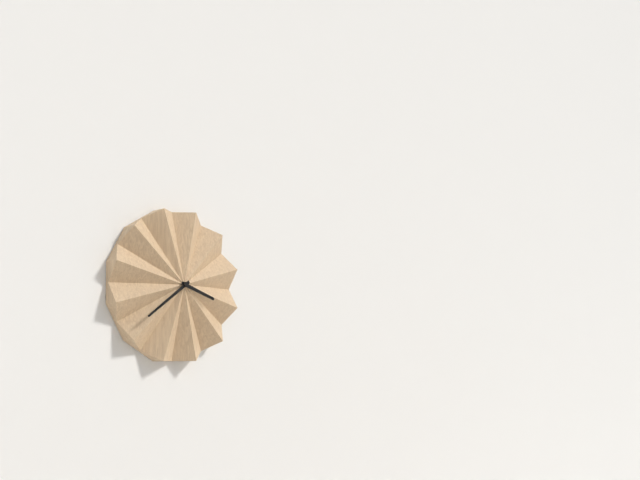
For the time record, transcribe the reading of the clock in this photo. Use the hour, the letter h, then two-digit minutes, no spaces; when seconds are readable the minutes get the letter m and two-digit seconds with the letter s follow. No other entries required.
3h39
